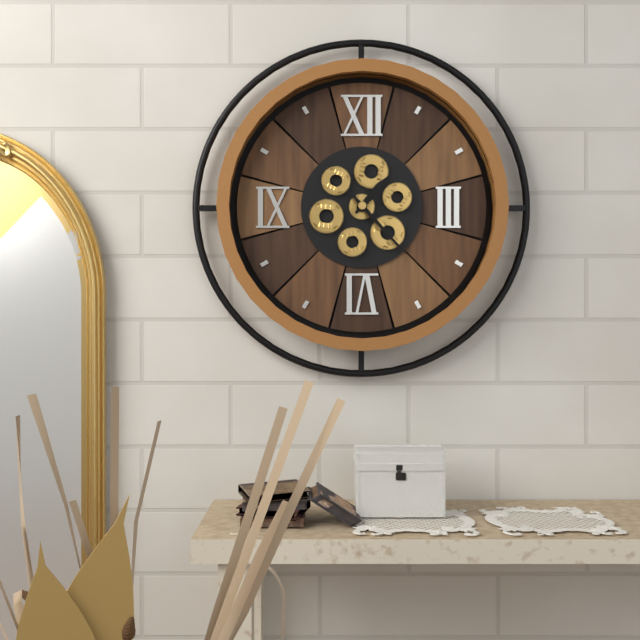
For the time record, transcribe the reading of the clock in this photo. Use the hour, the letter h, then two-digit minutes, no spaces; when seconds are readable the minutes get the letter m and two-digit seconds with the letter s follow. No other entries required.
1h23
